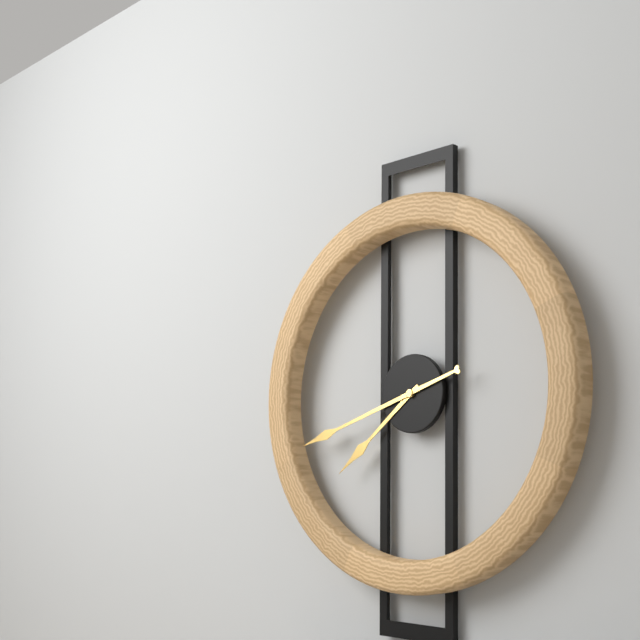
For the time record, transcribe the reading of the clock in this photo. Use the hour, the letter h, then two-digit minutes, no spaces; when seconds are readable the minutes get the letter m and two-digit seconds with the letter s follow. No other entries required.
7h42
